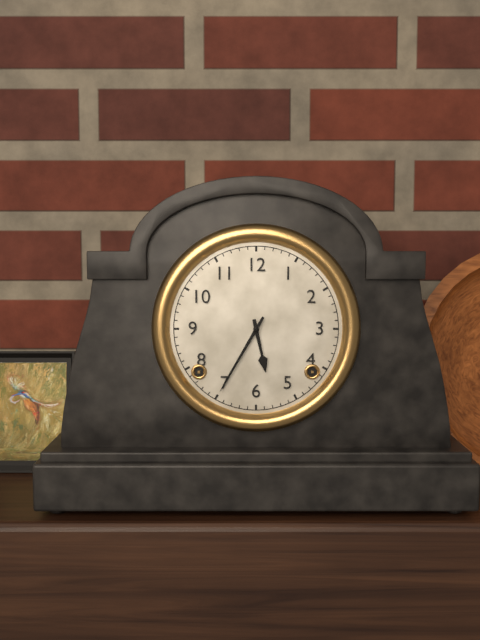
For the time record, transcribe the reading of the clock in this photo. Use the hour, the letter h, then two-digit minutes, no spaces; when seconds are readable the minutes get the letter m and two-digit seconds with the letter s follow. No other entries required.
5h35
